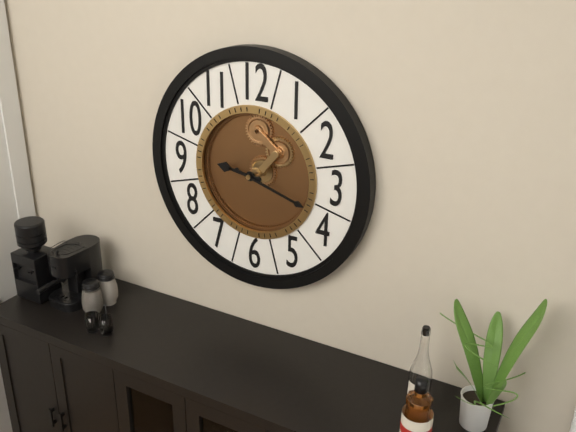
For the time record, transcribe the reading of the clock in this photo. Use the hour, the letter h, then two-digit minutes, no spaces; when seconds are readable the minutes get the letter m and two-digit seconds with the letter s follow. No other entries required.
9h18
